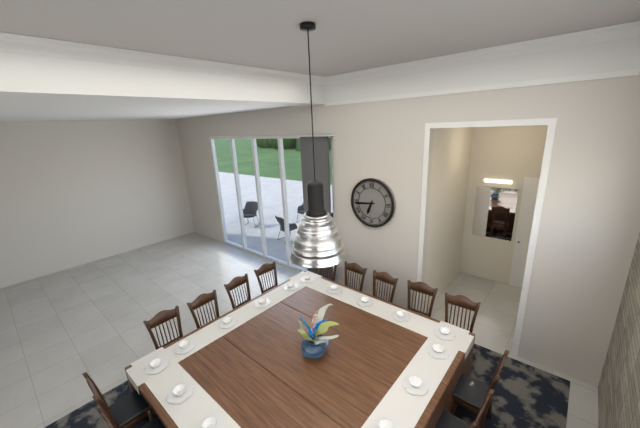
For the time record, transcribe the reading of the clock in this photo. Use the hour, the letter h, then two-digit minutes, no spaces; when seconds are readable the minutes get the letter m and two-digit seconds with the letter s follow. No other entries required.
6h44
